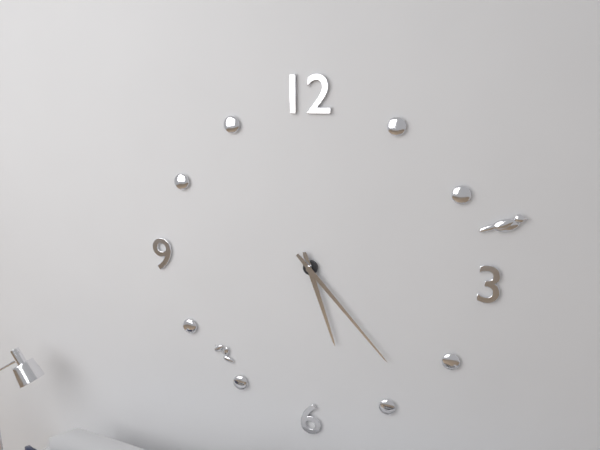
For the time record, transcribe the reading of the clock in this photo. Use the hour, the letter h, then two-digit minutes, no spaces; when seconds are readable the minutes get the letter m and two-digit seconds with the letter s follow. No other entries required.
5h23
